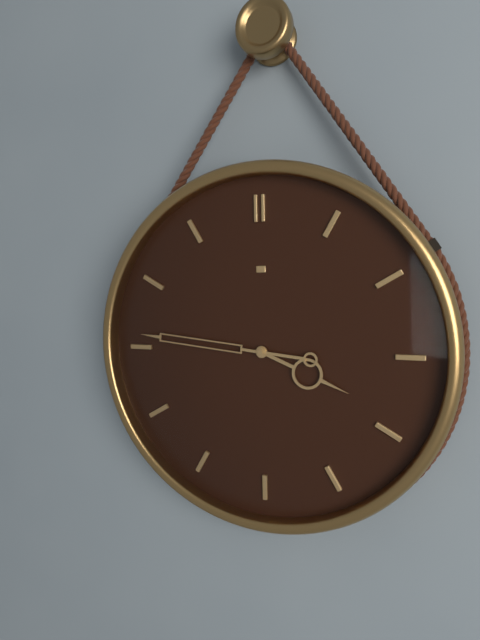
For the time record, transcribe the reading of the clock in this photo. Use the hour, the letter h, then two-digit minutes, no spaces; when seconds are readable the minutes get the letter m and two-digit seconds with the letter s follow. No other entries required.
3h46
